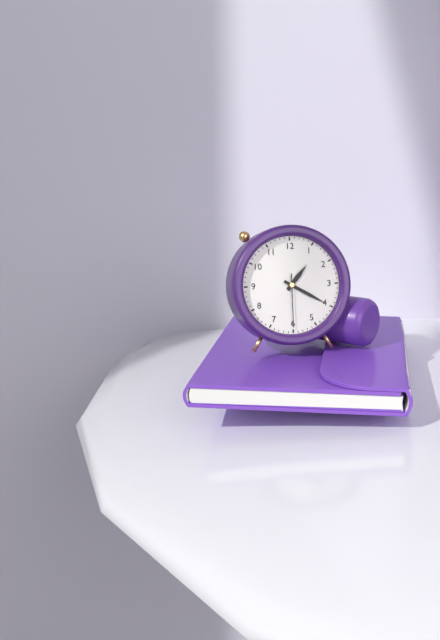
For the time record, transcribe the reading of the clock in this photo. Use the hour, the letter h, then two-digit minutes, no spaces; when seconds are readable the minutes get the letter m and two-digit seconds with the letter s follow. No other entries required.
1h20m30s
